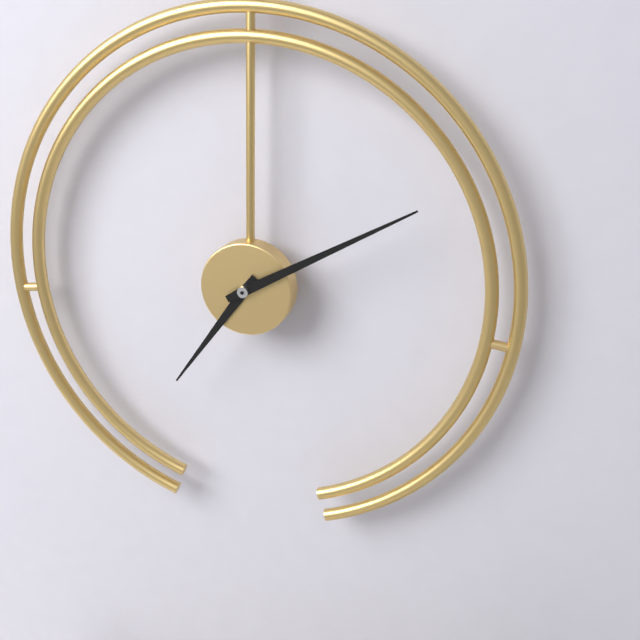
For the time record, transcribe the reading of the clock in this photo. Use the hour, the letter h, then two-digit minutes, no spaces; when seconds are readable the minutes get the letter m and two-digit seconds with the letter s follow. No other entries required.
7h10
